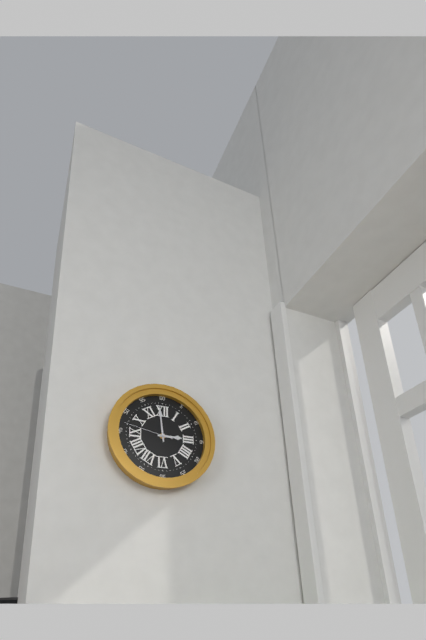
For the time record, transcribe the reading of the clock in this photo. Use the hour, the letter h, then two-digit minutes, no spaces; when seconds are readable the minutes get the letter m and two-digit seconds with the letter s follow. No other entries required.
2h59m47s
